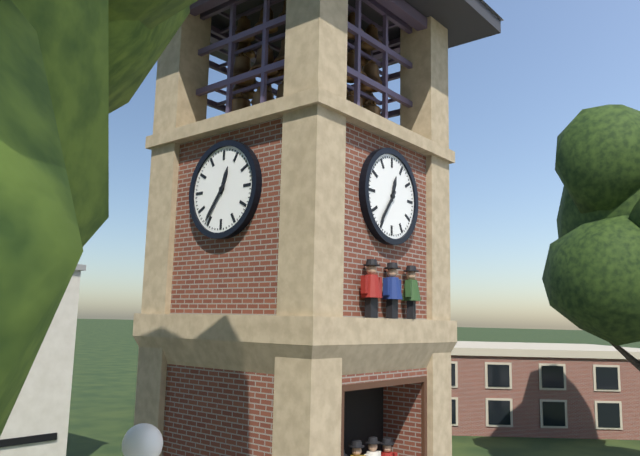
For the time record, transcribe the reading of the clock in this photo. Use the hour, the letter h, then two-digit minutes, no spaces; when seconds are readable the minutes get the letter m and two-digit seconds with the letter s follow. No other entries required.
12h36
